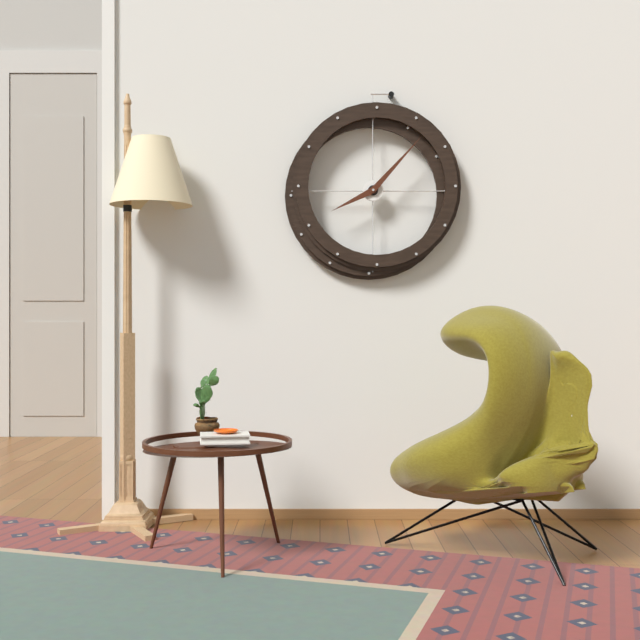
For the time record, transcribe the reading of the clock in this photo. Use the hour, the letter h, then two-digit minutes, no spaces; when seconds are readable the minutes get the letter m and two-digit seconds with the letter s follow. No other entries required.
8h07
